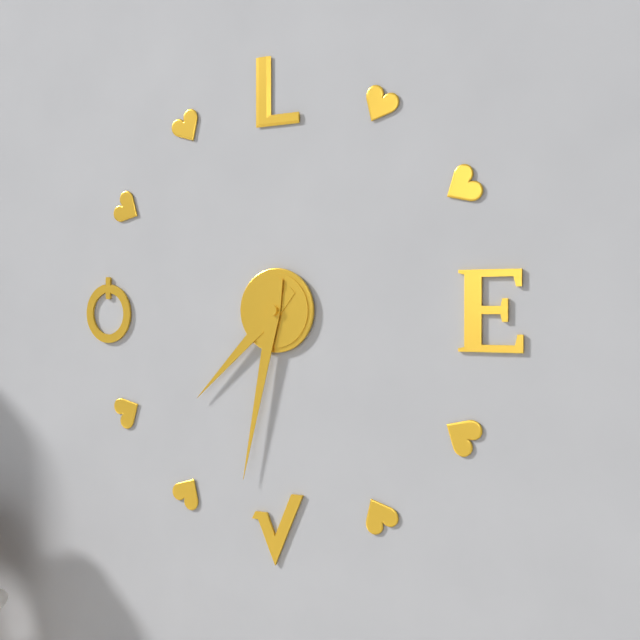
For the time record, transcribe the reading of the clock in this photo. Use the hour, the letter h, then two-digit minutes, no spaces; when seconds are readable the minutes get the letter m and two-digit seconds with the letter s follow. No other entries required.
7h32
